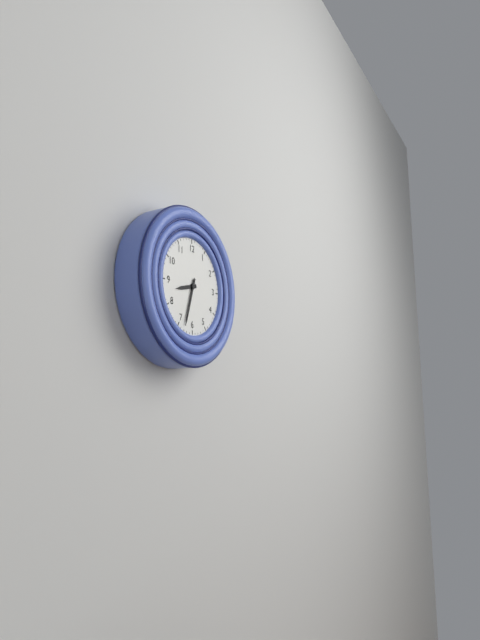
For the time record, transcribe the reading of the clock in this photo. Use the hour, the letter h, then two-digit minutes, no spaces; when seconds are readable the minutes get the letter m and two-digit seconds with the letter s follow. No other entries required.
8h33
